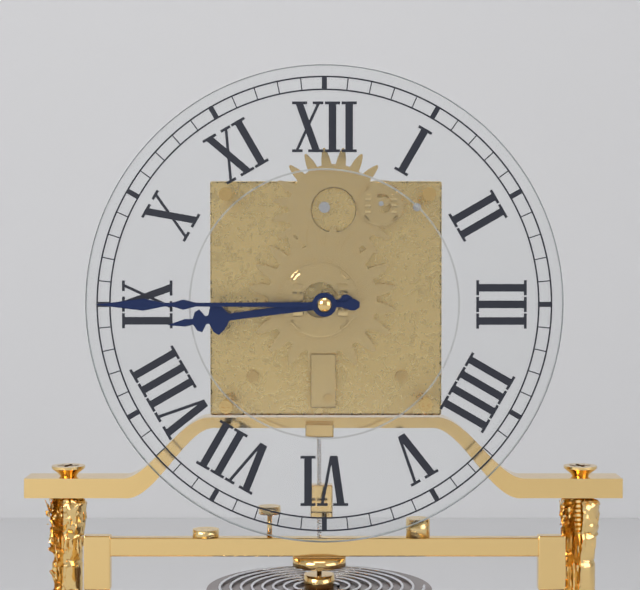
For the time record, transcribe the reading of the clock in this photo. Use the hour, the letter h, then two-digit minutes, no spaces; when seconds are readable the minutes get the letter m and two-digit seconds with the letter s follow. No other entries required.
8h45
